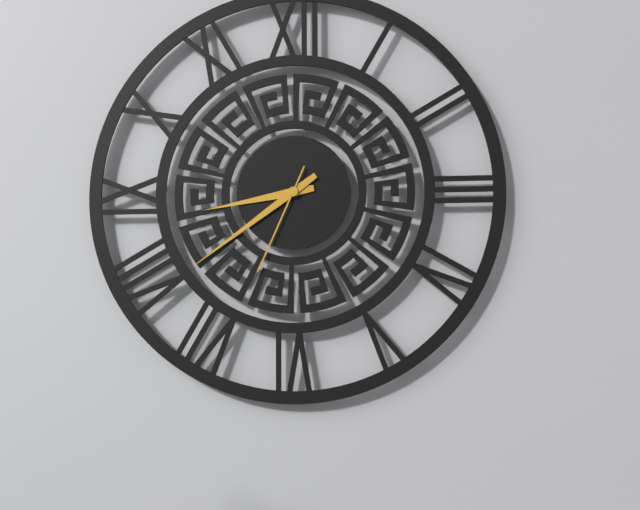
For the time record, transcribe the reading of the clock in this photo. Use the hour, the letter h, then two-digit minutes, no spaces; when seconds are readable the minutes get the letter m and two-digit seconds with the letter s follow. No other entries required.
8h39m34s
